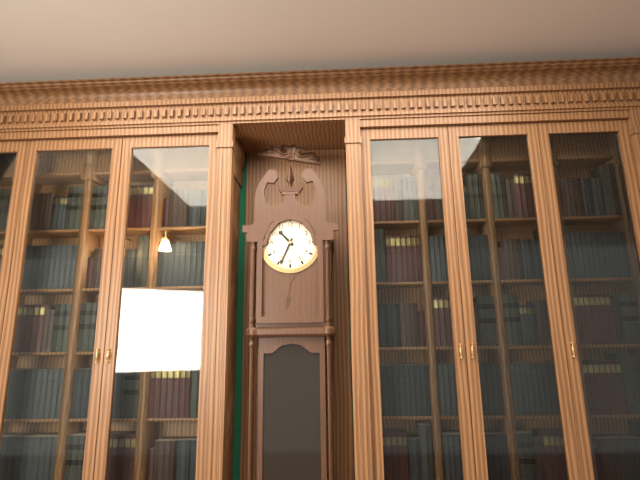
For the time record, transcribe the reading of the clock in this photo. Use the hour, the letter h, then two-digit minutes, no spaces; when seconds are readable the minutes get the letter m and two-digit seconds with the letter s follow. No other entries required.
10h34
